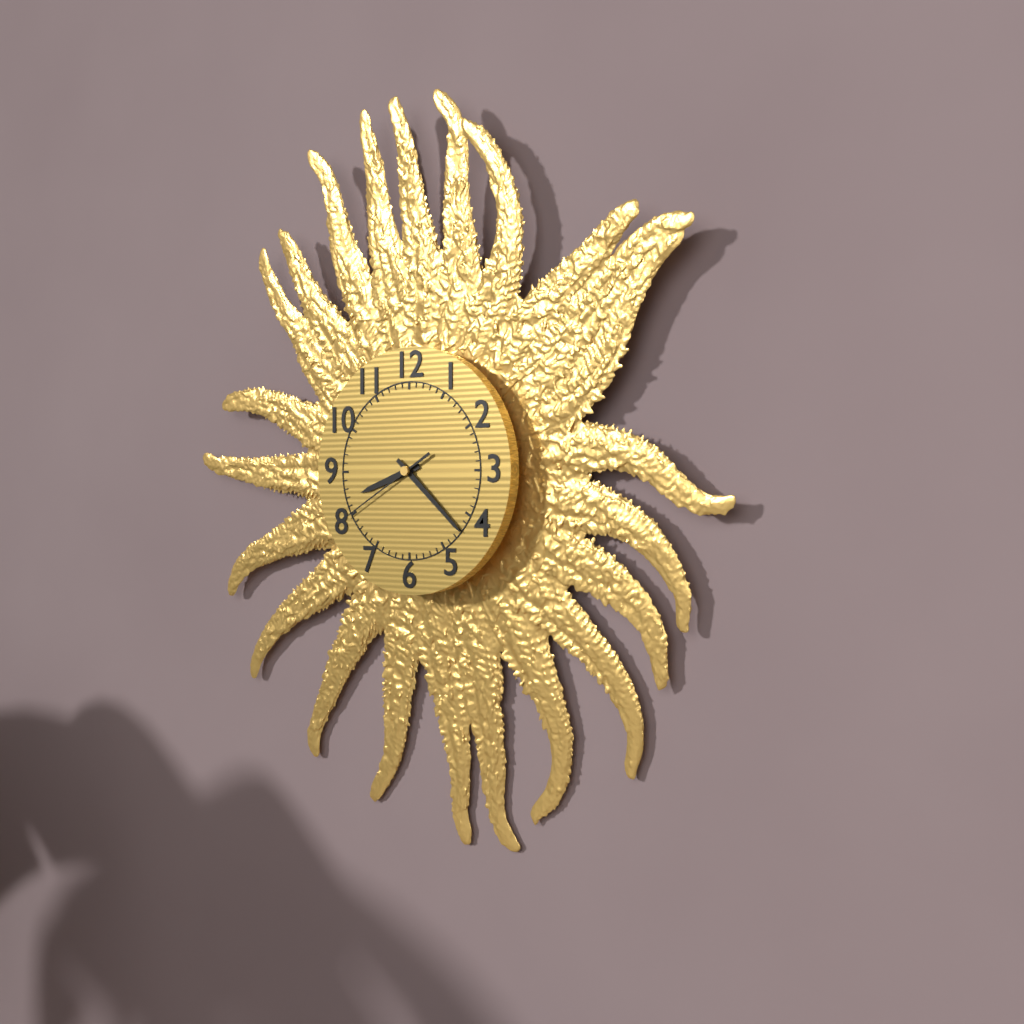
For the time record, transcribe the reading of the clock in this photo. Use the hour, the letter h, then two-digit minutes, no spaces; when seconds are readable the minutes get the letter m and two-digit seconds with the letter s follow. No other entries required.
8h22m40s
